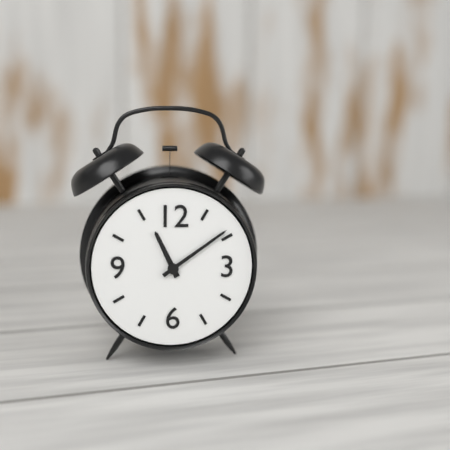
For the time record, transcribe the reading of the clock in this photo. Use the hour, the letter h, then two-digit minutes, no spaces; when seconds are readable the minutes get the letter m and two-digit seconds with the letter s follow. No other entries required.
11h09
